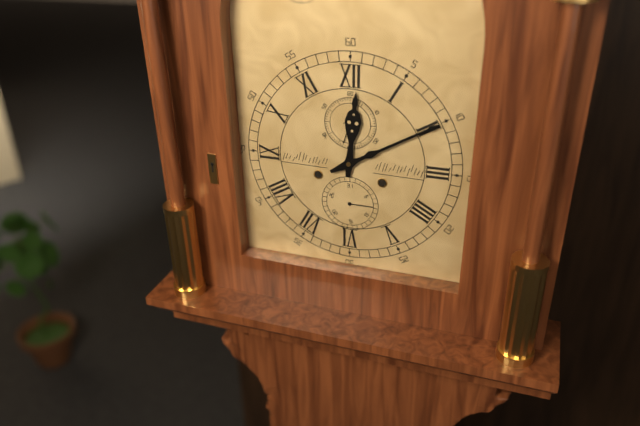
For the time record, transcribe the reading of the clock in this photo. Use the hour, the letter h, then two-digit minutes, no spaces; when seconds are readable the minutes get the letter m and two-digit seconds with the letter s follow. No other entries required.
12h10
